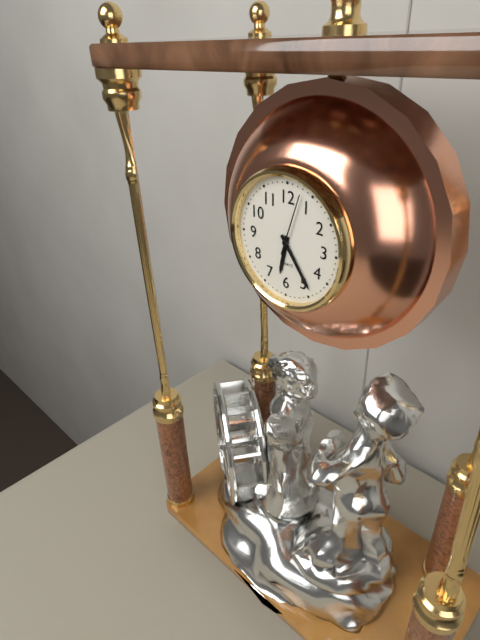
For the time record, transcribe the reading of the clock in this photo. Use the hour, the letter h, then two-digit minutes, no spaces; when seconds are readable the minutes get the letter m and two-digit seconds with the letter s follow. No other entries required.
6h24m03s
